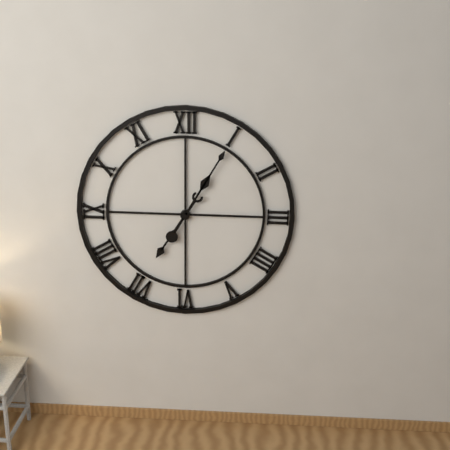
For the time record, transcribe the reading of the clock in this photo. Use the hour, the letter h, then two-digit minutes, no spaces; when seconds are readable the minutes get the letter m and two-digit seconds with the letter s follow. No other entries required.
7h05
